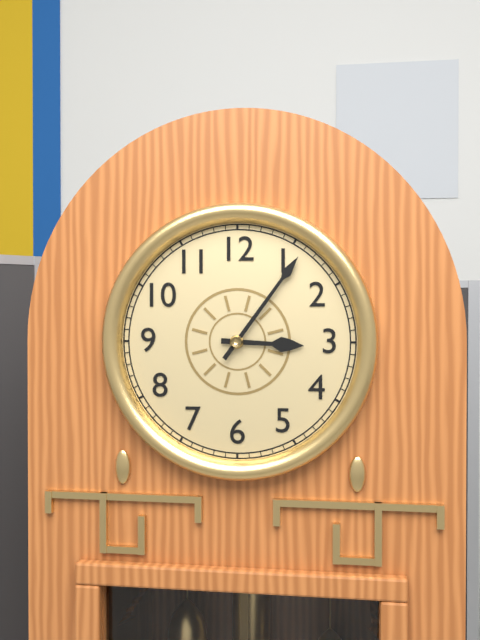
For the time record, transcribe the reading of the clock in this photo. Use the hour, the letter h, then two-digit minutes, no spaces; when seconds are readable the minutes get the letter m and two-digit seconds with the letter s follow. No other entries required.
3h06
